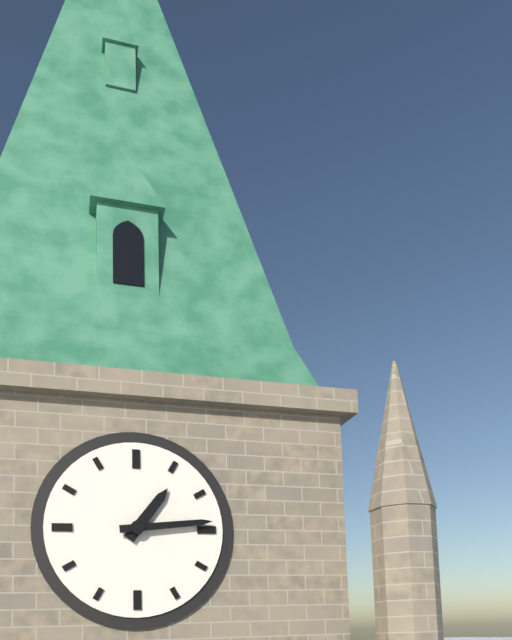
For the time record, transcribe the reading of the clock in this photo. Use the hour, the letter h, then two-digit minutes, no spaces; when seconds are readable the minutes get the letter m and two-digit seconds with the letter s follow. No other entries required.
1h14
